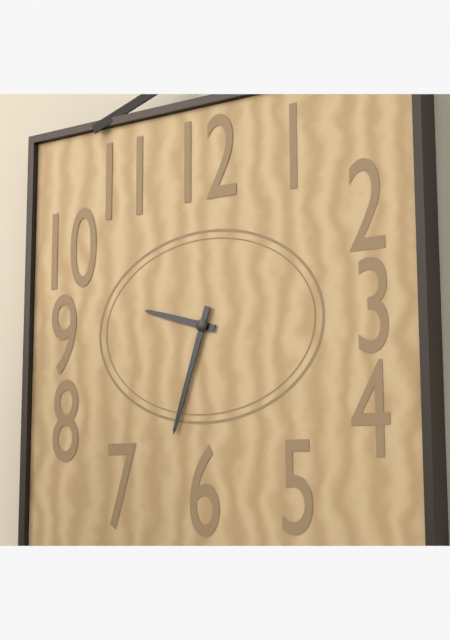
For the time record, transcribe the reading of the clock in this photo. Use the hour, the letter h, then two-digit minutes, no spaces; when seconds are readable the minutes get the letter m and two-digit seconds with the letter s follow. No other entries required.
9h33
